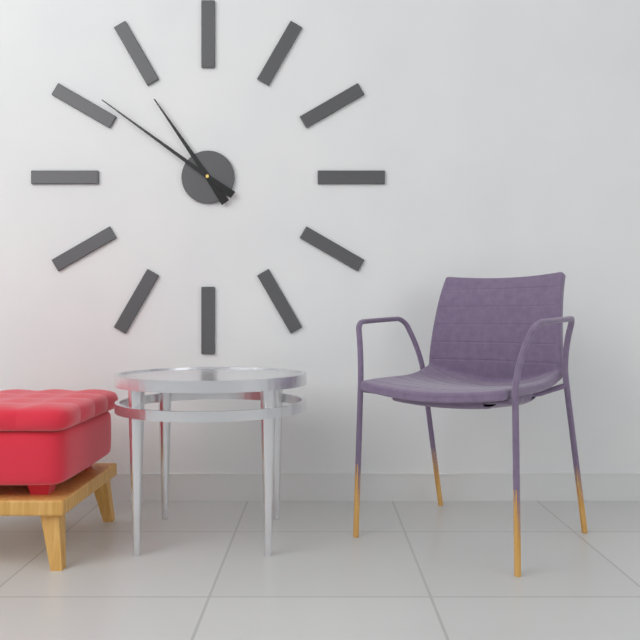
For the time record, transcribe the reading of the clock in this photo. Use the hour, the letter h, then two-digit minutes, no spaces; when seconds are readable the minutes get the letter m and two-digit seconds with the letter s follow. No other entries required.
10h51
